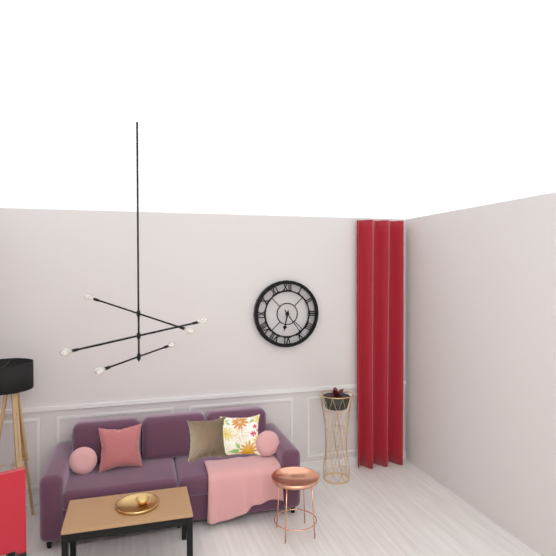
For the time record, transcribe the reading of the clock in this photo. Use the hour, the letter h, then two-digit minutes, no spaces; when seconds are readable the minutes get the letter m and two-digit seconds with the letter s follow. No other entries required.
6h24
